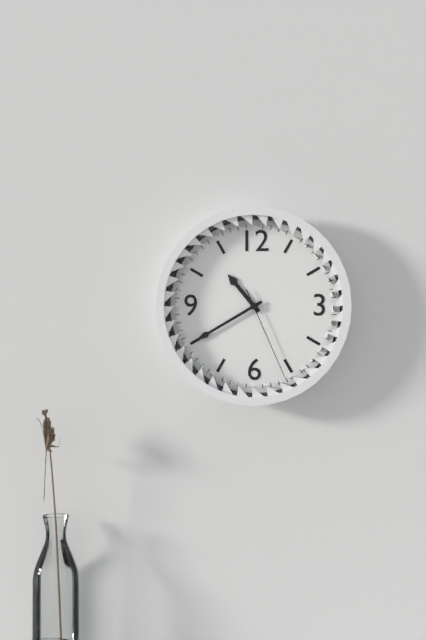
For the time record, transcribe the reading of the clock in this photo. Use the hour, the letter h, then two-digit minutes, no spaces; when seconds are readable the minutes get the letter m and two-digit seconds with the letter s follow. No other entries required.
10h40m26s
